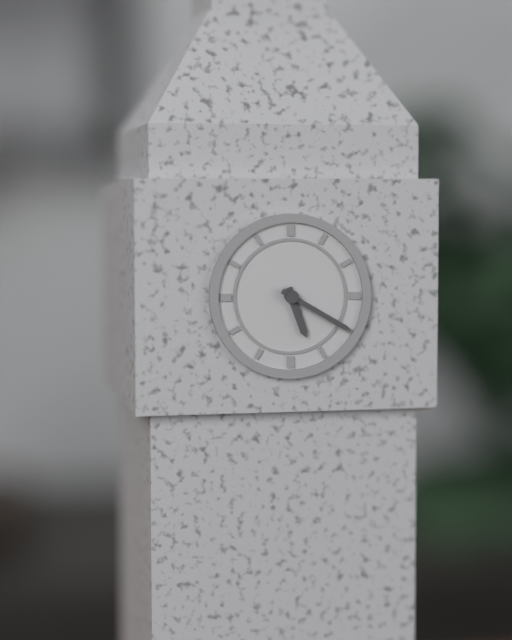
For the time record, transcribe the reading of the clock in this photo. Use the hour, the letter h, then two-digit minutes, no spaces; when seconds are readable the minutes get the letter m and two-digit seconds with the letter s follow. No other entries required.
5h20
